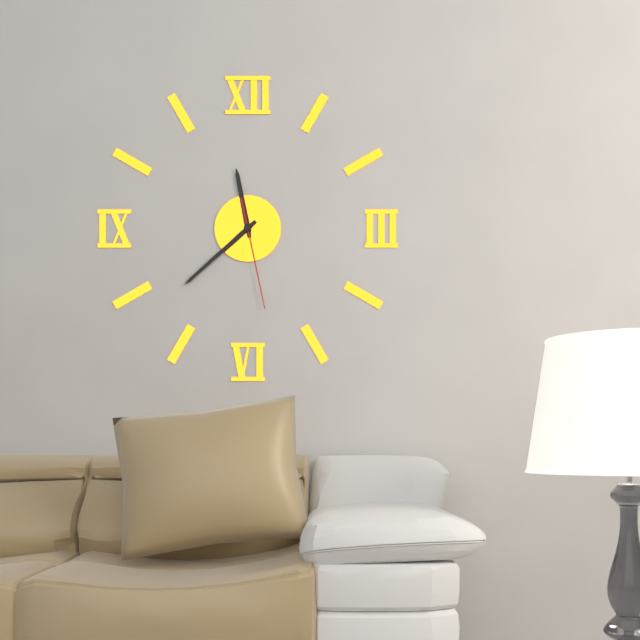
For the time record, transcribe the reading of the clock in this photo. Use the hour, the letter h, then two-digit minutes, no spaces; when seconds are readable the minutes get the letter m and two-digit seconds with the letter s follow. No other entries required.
11h38m28s
